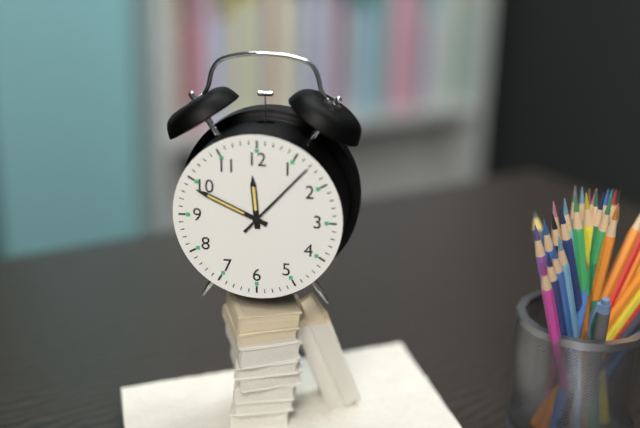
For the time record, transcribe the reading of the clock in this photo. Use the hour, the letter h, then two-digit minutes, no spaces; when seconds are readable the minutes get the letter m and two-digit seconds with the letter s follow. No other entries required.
11h49m07s
